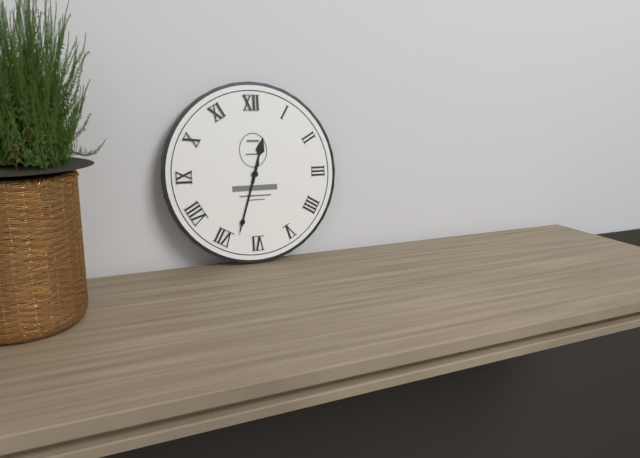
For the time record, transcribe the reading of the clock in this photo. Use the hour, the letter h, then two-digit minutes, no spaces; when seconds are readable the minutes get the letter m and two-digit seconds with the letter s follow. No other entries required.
12h33
